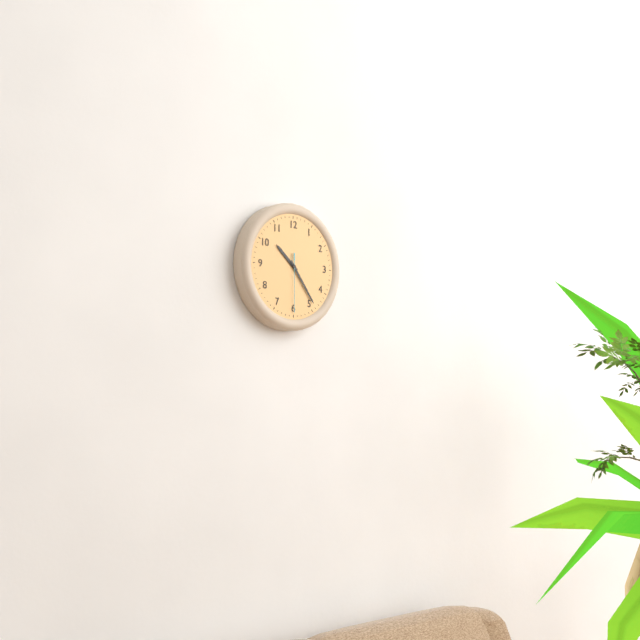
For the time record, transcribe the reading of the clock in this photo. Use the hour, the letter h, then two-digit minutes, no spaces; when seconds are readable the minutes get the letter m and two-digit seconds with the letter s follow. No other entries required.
10h24m30s
